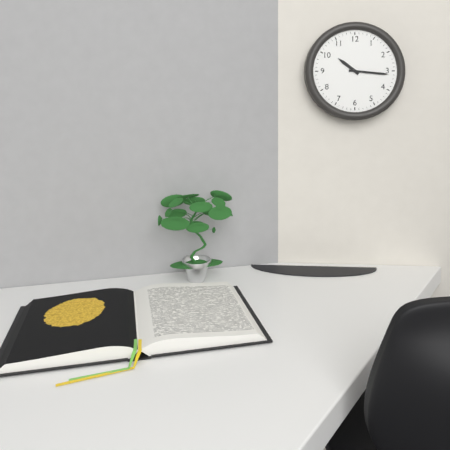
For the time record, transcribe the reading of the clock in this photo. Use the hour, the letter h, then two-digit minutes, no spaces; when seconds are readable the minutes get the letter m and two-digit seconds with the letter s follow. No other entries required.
10h16
